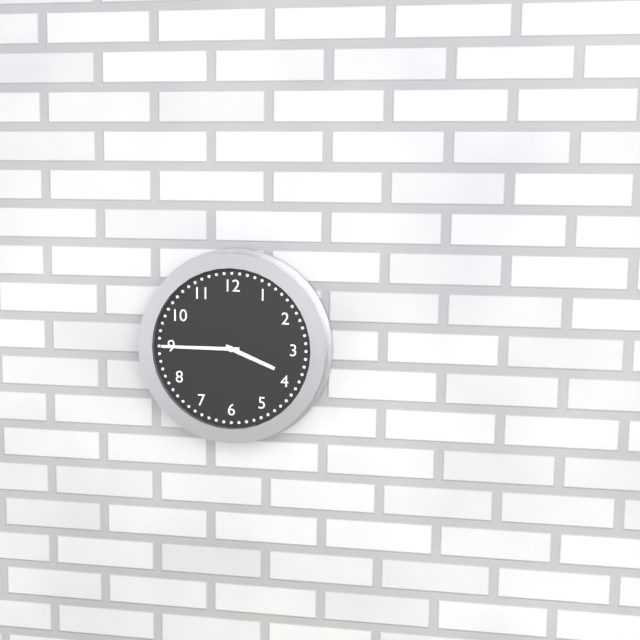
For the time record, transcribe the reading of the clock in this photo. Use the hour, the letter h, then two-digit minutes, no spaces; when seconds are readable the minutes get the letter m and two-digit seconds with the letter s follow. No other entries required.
3h45
